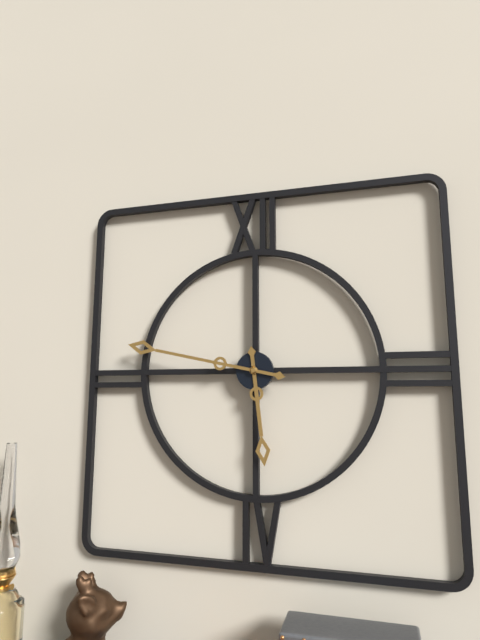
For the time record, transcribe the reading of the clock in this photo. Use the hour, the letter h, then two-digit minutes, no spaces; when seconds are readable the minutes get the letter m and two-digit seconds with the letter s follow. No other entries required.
5h47
